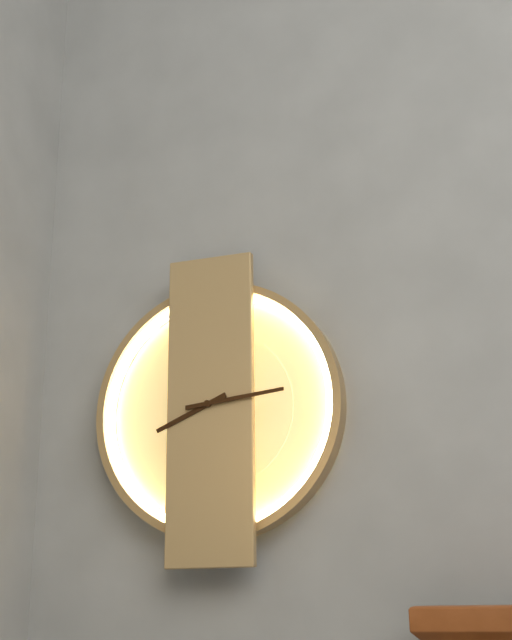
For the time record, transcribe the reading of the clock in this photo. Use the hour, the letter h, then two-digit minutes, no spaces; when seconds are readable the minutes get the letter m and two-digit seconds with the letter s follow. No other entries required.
8h14
